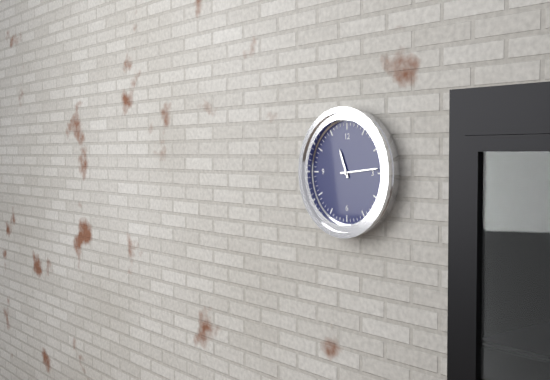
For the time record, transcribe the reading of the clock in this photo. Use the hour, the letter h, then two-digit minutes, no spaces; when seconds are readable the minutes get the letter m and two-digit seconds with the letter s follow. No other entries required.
11h14
